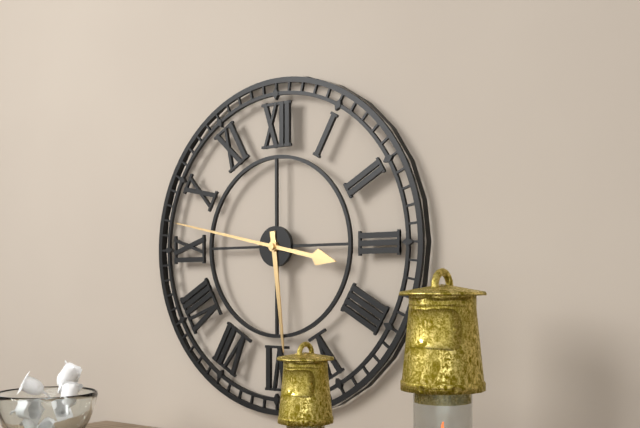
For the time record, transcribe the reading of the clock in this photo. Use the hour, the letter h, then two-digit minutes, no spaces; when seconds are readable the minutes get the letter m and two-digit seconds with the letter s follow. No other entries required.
5h47
